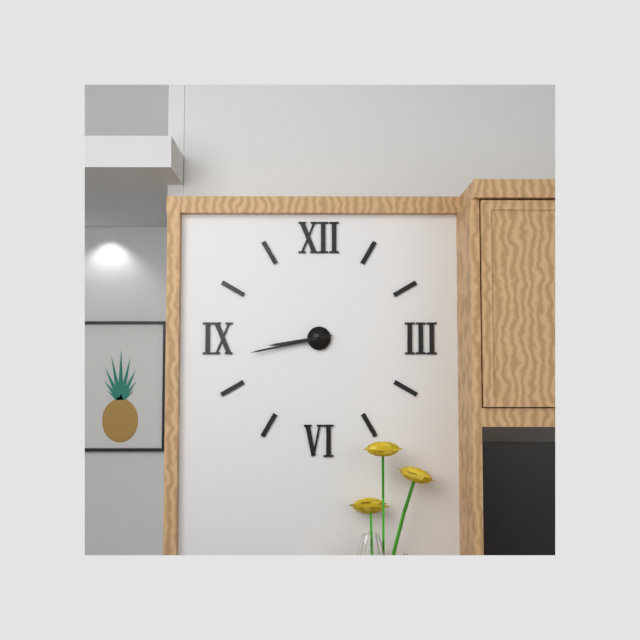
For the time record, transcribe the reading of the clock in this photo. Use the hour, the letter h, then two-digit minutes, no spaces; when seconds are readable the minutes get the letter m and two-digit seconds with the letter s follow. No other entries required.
8h43
